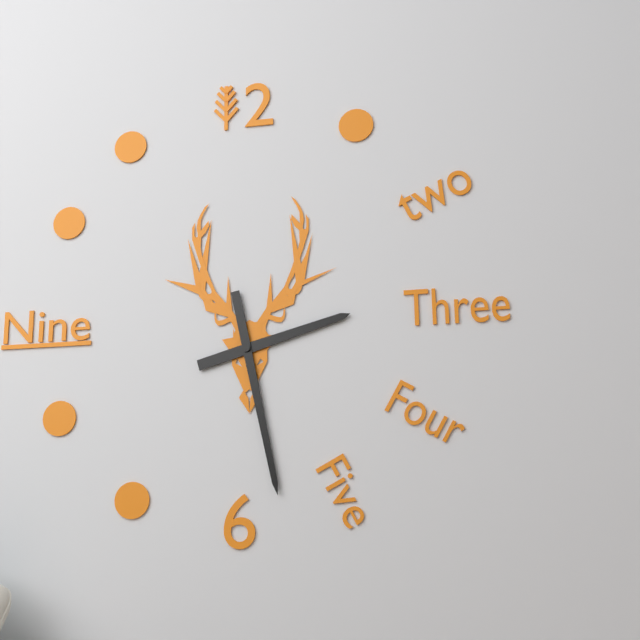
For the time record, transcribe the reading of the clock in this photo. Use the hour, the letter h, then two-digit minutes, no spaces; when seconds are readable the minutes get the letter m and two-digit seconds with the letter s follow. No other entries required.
2h28
